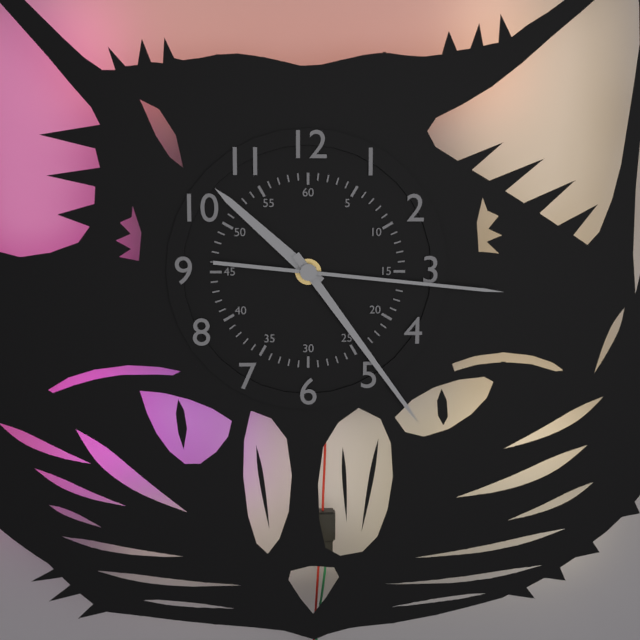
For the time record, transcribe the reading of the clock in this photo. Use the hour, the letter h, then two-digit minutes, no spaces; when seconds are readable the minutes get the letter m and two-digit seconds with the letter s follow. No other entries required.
10h24m16s
